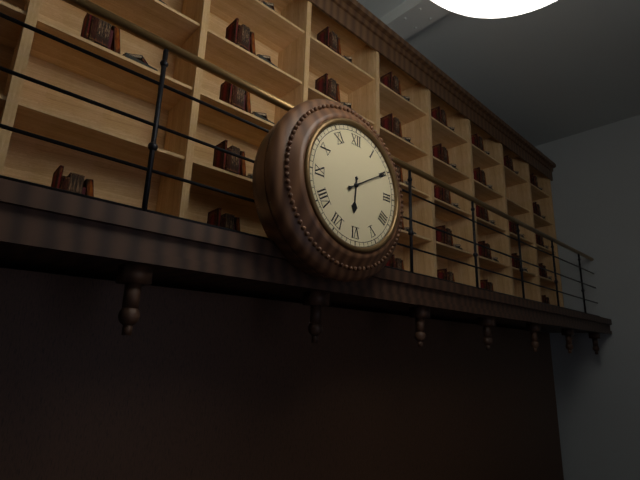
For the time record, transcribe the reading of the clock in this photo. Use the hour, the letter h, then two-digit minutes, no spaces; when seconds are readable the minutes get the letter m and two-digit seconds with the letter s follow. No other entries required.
6h10
